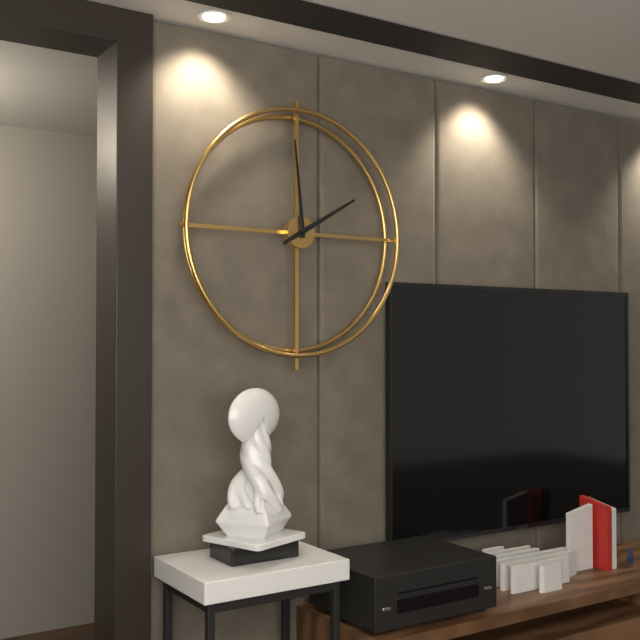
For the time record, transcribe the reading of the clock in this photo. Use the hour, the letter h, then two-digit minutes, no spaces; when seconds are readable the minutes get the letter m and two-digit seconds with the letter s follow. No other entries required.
1h59
